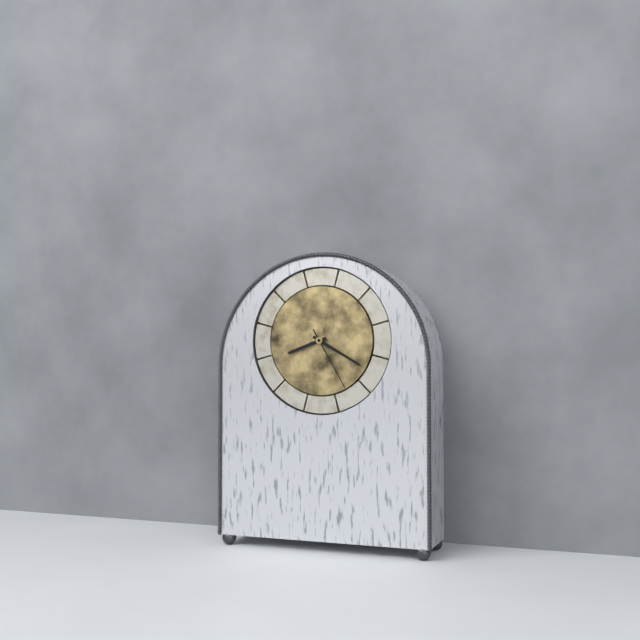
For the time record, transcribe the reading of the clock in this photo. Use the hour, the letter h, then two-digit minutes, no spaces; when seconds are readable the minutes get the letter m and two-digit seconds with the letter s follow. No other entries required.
8h20m25s
